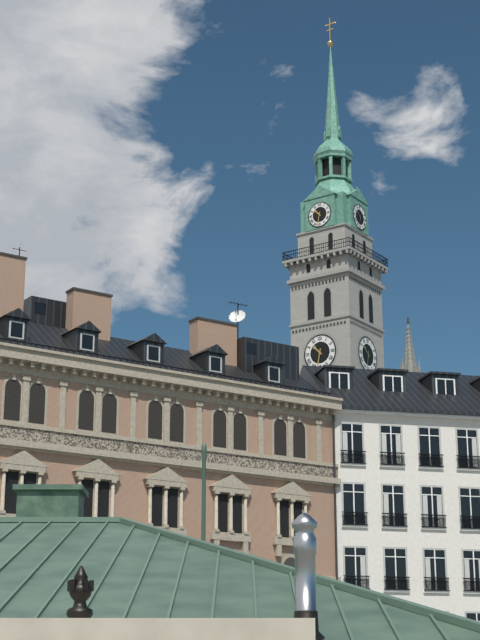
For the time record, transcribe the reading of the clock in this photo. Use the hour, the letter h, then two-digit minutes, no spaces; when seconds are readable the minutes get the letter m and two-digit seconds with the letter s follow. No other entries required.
10h32
